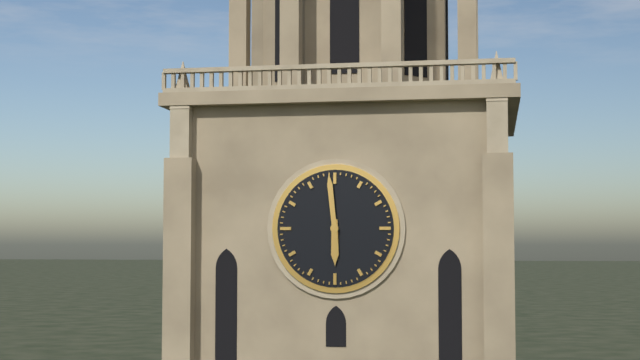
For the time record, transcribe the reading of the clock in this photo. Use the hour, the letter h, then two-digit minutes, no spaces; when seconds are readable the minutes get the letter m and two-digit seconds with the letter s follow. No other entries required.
5h59
